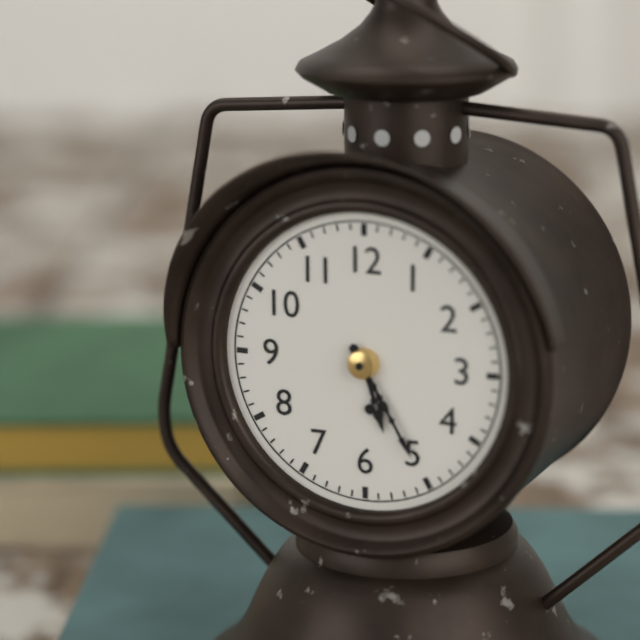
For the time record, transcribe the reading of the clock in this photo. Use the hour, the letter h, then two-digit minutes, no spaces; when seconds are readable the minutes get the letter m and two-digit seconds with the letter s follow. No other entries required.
5h25
